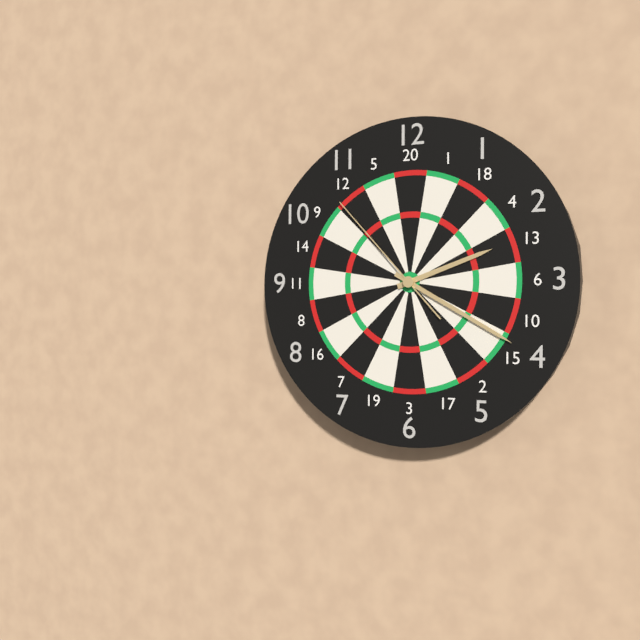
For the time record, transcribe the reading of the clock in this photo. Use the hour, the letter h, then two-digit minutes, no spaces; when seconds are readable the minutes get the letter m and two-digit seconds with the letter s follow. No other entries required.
2h20m53s
